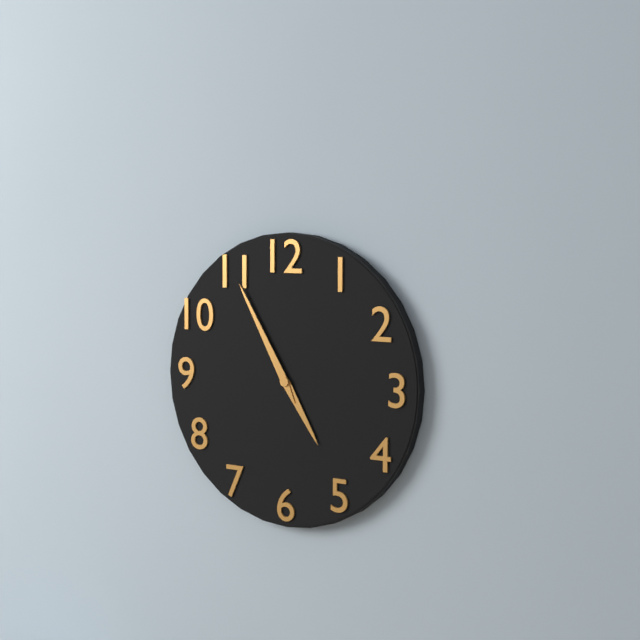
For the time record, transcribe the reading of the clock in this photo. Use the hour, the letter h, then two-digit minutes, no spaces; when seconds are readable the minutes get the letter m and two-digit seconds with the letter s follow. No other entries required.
4h55
